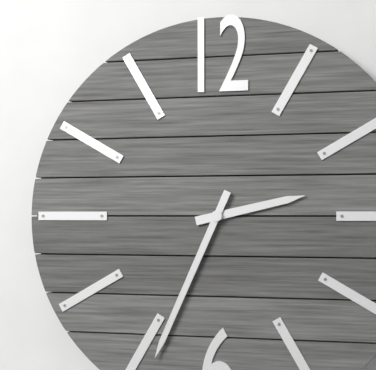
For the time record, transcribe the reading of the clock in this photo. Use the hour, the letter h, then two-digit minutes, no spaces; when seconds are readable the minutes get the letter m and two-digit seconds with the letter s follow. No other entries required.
2h34
